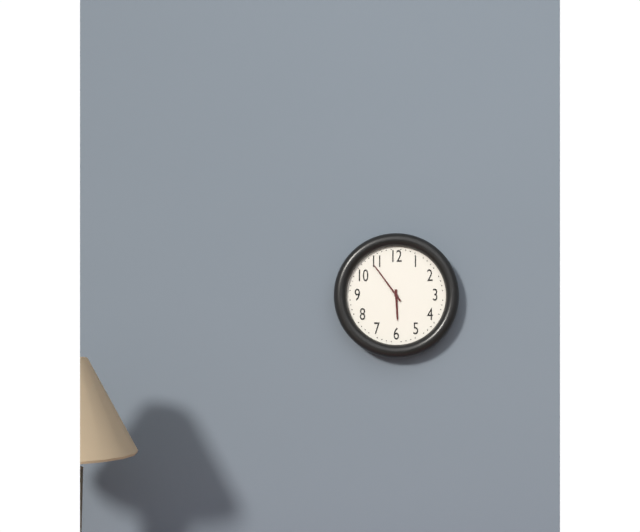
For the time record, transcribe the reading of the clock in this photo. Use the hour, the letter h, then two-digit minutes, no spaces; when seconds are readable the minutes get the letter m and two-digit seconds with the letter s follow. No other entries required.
5h54
